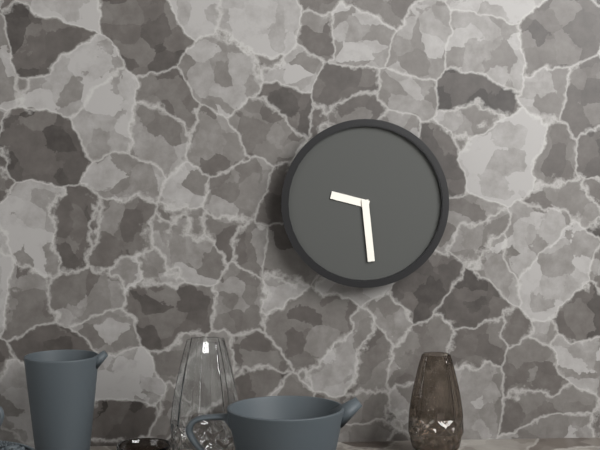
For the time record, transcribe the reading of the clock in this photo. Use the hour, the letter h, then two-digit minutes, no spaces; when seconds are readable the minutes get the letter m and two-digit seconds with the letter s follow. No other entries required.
9h29
